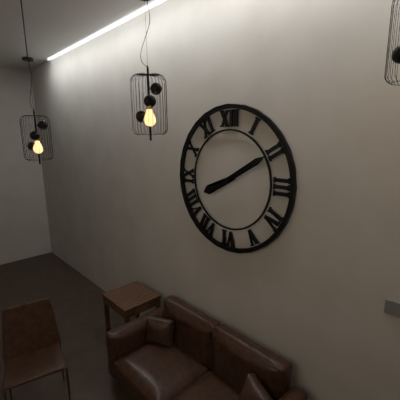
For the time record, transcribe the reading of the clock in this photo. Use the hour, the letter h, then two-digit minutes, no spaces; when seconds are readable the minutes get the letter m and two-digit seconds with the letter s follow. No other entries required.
8h10
